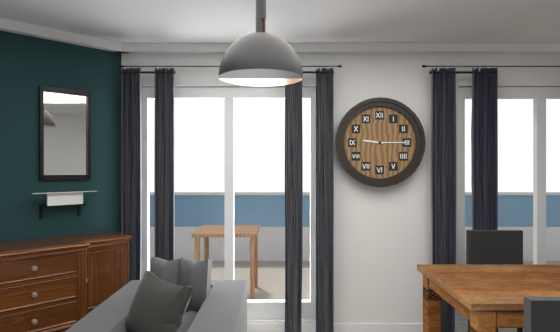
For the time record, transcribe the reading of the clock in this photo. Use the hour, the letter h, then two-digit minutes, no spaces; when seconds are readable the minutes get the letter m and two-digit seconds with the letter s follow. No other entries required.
9h15
